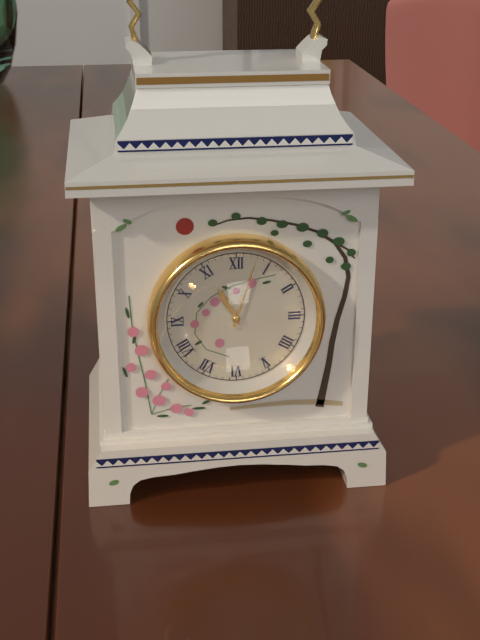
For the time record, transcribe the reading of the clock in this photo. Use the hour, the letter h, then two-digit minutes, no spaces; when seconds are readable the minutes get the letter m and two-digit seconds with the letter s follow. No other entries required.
11h03
